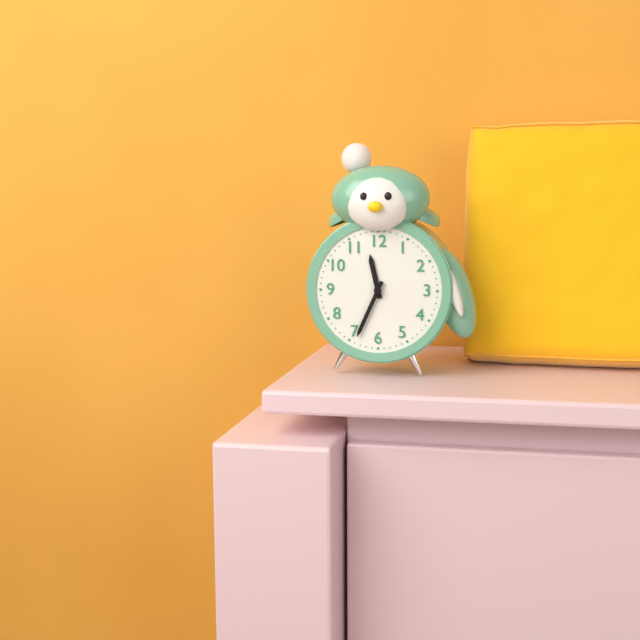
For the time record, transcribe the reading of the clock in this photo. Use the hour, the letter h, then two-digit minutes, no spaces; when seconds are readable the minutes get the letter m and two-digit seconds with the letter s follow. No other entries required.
11h34
